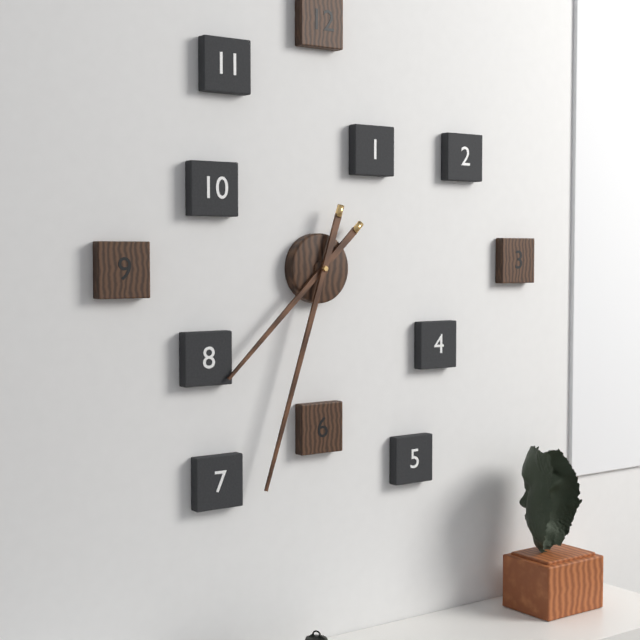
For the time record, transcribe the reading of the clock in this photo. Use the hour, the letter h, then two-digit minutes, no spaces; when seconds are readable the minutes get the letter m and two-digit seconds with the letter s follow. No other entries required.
7h33
